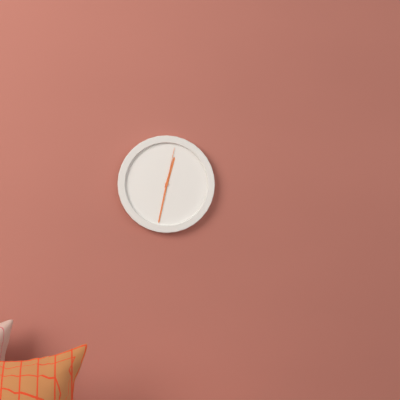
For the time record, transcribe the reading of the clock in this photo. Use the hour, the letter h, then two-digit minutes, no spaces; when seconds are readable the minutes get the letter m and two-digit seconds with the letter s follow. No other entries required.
12h32
